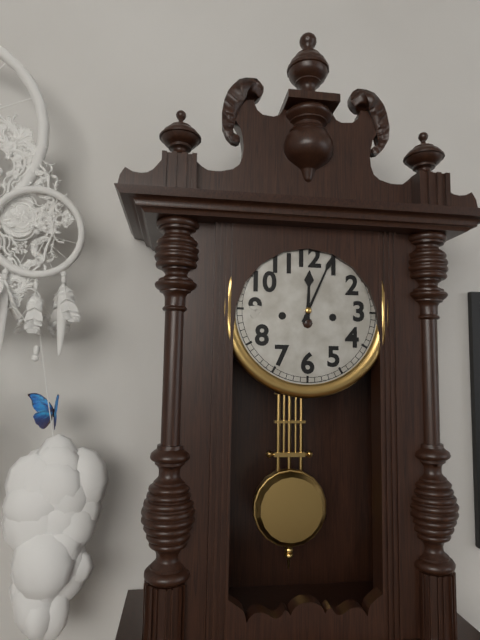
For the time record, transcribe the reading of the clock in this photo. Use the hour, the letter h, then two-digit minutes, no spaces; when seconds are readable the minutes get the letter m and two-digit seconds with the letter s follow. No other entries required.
12h04
